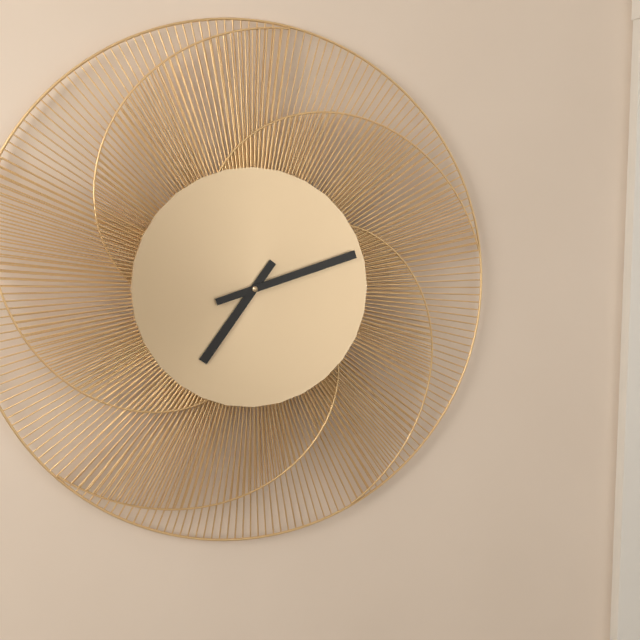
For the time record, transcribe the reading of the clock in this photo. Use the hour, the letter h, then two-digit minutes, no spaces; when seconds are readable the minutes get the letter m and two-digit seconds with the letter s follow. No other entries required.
7h12
